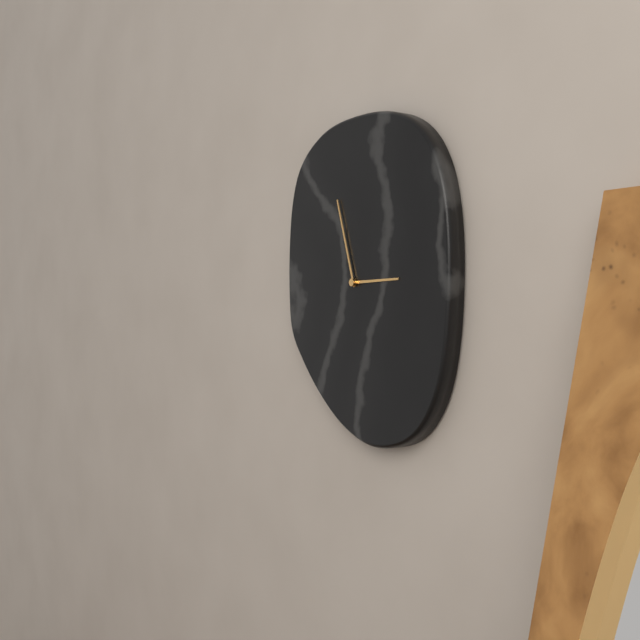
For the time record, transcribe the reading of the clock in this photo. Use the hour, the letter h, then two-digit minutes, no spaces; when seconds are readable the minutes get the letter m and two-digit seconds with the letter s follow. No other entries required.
2h57
